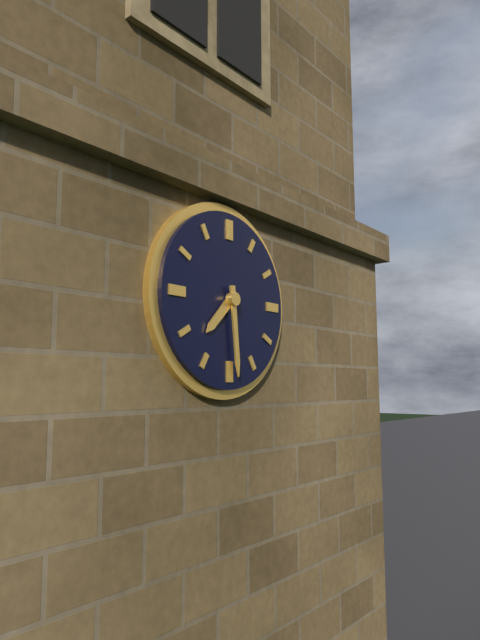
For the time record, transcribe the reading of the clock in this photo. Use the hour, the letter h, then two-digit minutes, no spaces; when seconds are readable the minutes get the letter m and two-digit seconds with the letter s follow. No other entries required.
7h29
